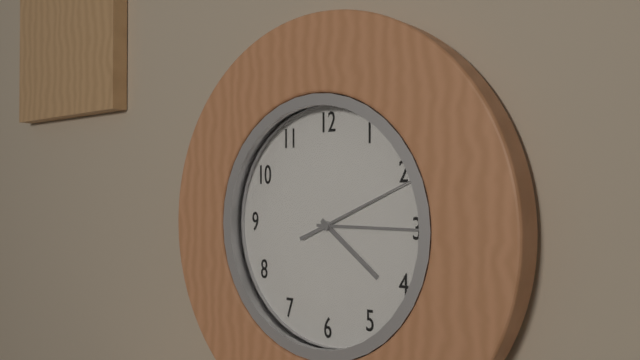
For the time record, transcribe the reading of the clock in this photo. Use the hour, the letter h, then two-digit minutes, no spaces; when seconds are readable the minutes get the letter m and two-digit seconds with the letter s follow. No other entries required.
4h15m11s
